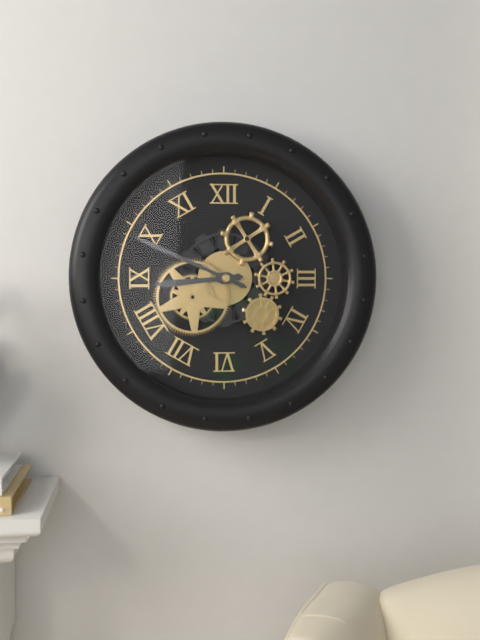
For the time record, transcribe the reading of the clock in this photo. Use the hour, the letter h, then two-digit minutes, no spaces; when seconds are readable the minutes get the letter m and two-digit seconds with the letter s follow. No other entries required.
8h49
